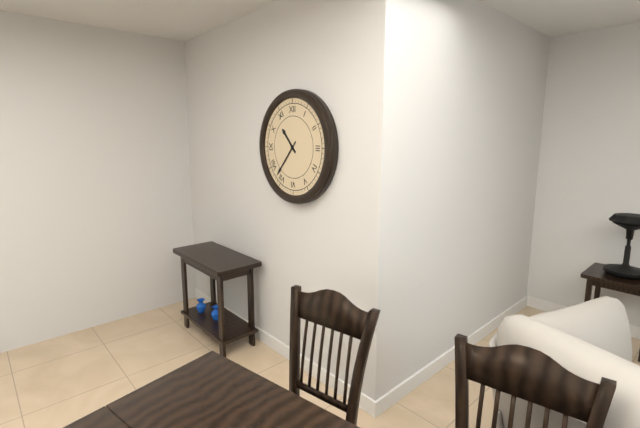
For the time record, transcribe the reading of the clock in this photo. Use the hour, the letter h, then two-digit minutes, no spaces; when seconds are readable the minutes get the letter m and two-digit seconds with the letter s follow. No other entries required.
10h37
